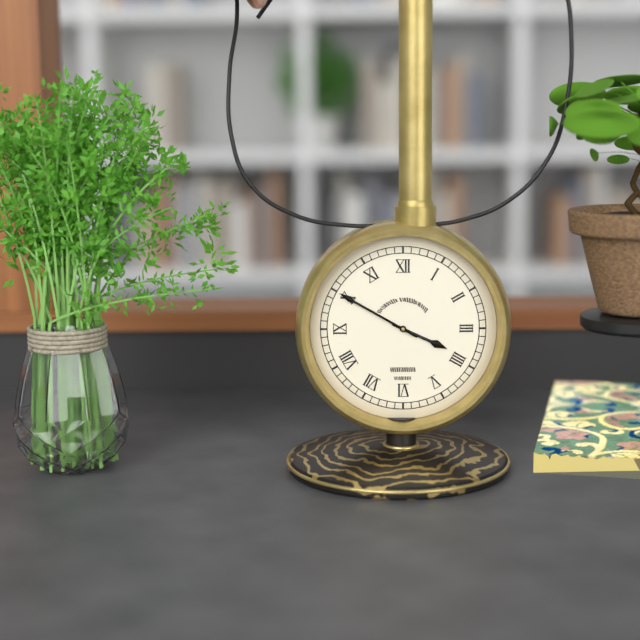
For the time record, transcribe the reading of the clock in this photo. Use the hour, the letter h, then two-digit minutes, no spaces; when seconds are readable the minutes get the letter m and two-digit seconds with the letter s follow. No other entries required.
3h50
